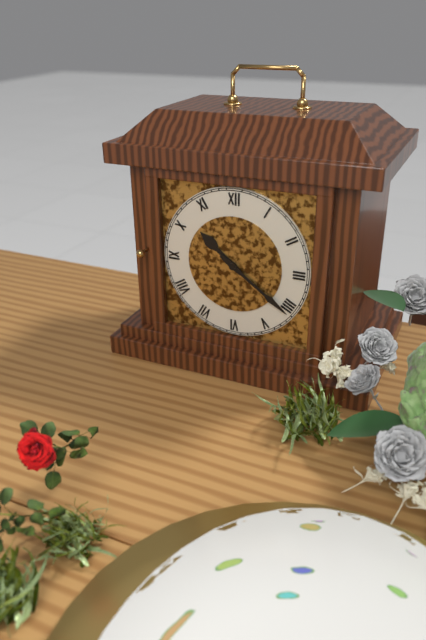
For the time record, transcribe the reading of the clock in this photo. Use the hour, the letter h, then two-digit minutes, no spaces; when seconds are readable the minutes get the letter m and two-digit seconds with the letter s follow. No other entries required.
10h21
